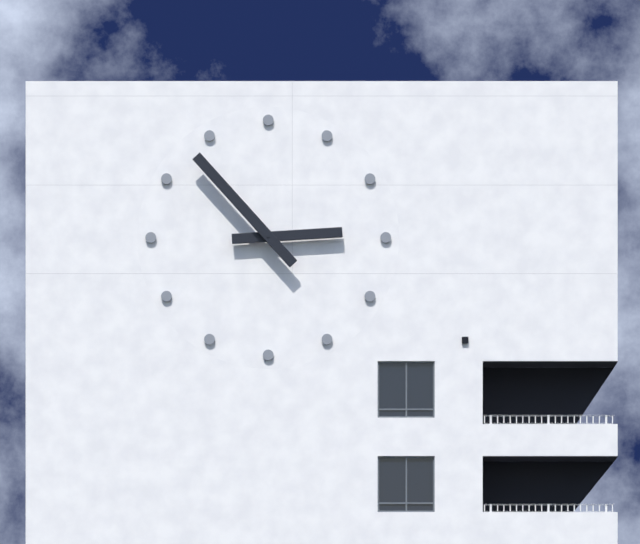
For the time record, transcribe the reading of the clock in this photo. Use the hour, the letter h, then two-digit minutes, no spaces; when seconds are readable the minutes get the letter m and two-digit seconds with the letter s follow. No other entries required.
2h53
